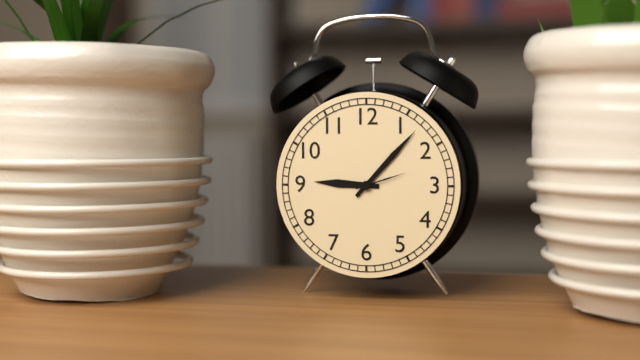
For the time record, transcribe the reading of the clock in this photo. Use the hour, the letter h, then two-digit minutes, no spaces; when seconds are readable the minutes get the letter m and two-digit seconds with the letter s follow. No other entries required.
9h07m12s
